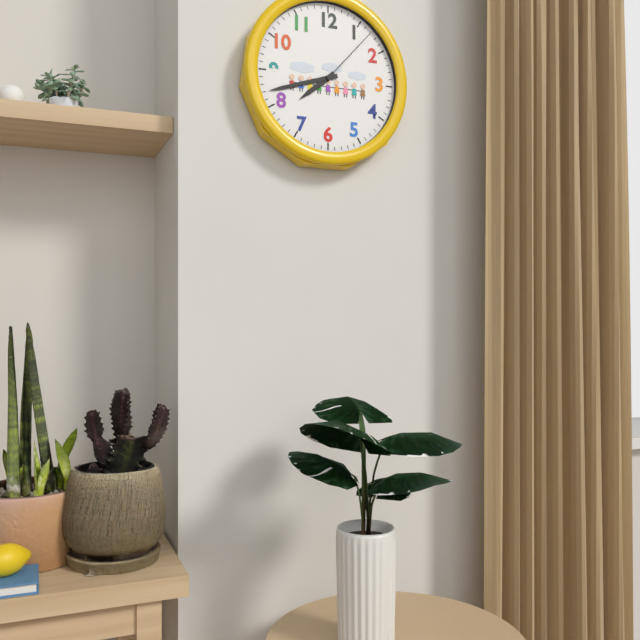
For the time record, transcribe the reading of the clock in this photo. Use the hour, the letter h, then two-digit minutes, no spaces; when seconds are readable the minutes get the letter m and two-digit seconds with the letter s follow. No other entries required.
7h42m07s
